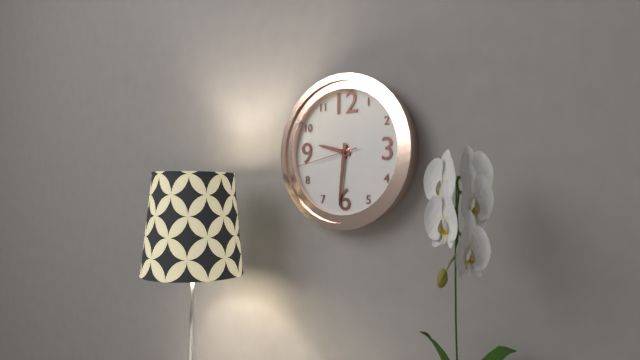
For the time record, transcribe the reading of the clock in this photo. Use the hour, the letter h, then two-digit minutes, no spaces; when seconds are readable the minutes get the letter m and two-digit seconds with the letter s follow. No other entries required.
9h31m43s
